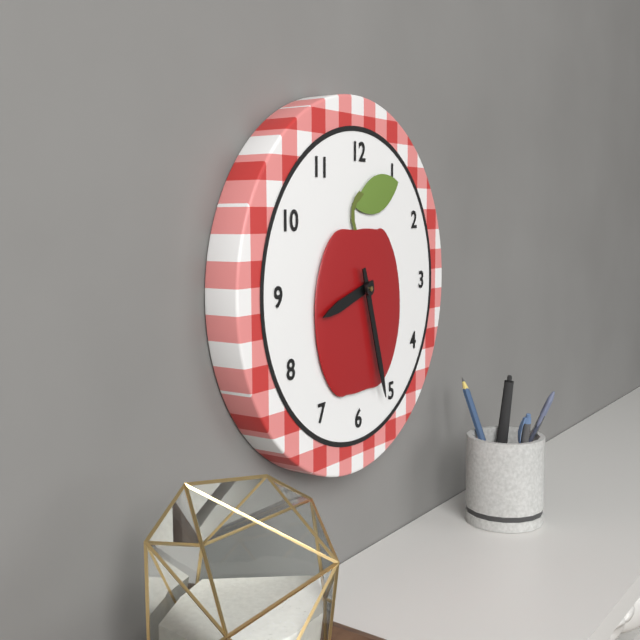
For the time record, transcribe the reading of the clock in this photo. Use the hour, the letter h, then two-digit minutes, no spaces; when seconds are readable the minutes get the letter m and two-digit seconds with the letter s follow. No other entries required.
8h27
